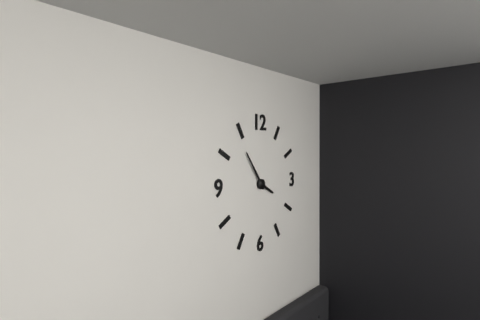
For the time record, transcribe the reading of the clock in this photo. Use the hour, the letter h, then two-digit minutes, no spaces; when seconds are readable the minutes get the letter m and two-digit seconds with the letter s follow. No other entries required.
3h54
